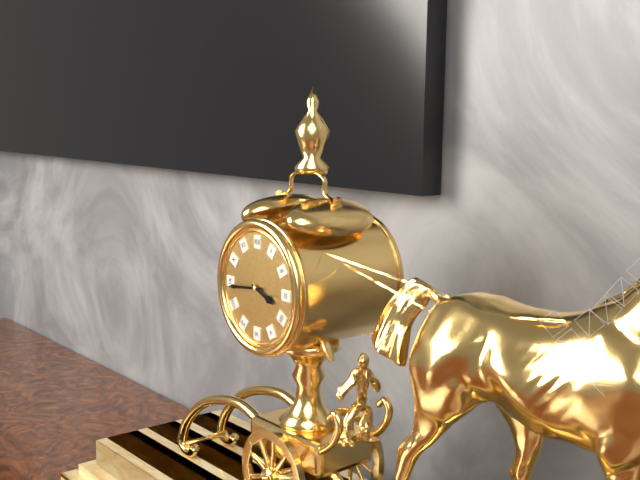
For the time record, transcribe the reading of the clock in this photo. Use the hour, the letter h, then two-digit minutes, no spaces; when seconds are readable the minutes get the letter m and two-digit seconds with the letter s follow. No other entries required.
3h44
